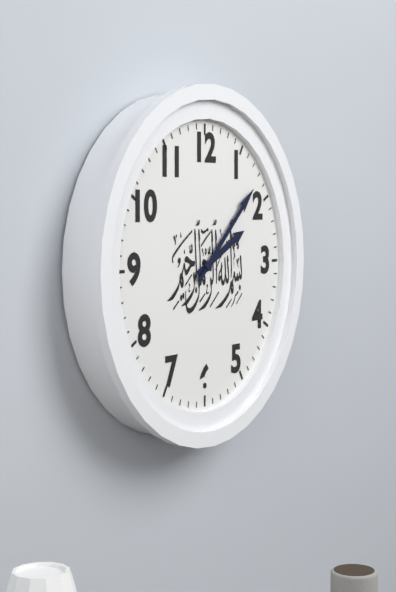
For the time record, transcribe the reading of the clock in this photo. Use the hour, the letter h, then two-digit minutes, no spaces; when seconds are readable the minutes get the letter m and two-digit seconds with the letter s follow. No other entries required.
2h08
